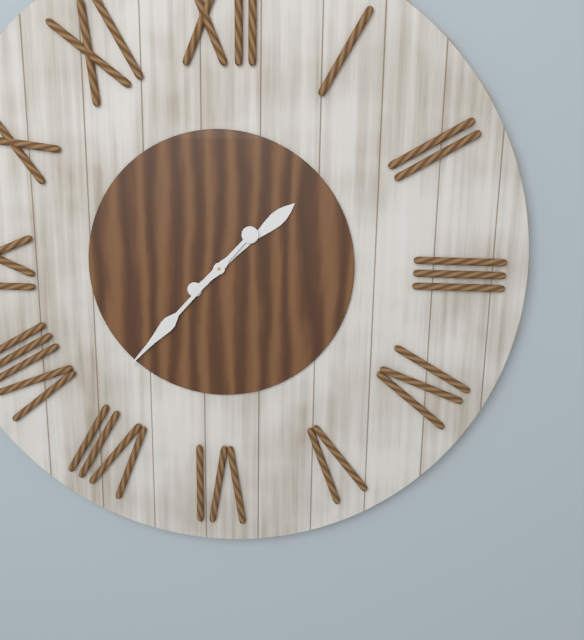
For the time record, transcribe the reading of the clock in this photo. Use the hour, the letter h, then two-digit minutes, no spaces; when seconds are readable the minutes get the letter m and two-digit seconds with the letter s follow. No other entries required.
1h37
